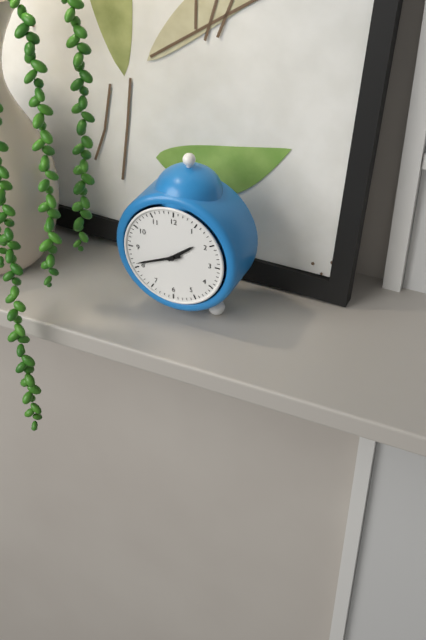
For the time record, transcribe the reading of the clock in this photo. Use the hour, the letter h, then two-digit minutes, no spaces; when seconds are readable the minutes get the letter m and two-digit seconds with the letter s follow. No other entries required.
1h41
